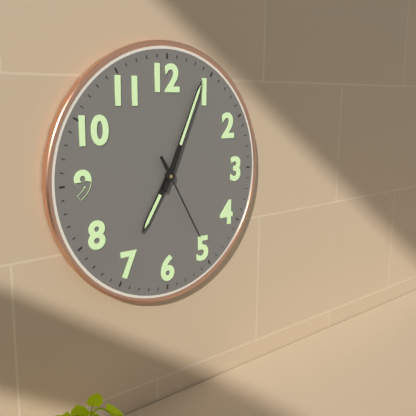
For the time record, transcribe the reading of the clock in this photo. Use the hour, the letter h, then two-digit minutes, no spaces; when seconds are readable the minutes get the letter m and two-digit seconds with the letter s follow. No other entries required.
7h04m25s
